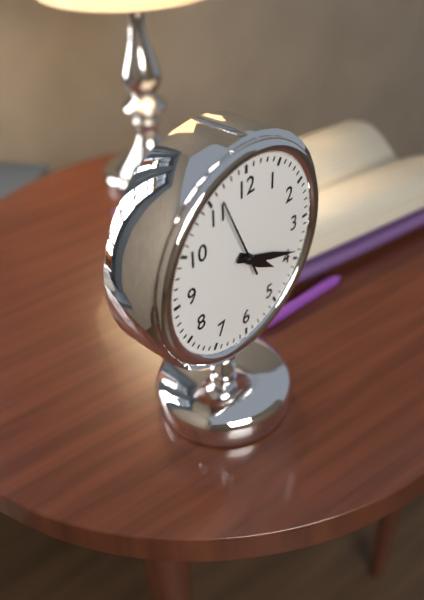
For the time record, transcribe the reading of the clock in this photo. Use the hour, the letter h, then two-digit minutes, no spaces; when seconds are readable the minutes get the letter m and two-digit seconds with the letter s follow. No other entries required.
4h19m56s
